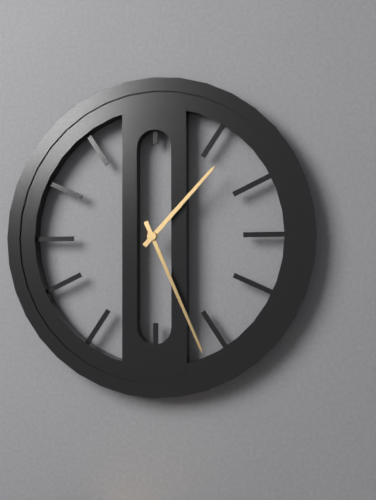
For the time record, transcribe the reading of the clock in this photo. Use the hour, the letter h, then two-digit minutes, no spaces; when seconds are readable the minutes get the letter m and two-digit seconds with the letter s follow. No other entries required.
1h26
